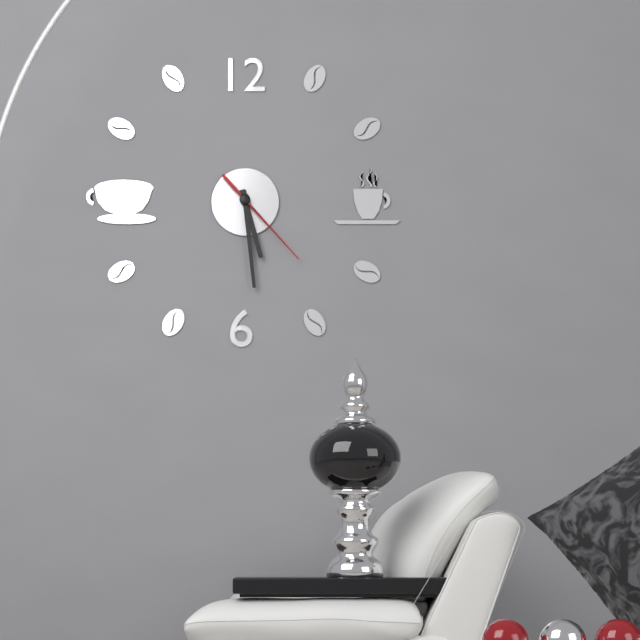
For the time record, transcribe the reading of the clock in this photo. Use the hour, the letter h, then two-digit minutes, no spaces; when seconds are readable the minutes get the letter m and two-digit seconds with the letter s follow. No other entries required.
5h29m23s
